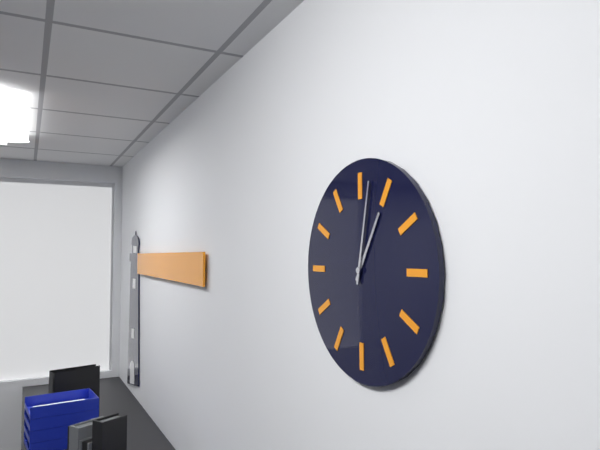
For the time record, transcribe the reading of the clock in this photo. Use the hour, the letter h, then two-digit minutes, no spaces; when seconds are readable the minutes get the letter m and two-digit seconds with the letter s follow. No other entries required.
1h02
